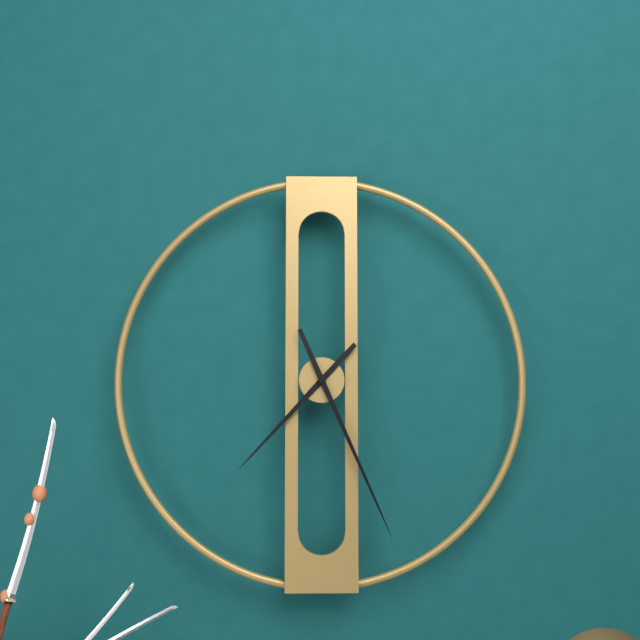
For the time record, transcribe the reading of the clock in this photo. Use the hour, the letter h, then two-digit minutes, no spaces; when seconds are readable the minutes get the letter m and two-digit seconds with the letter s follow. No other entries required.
7h26
